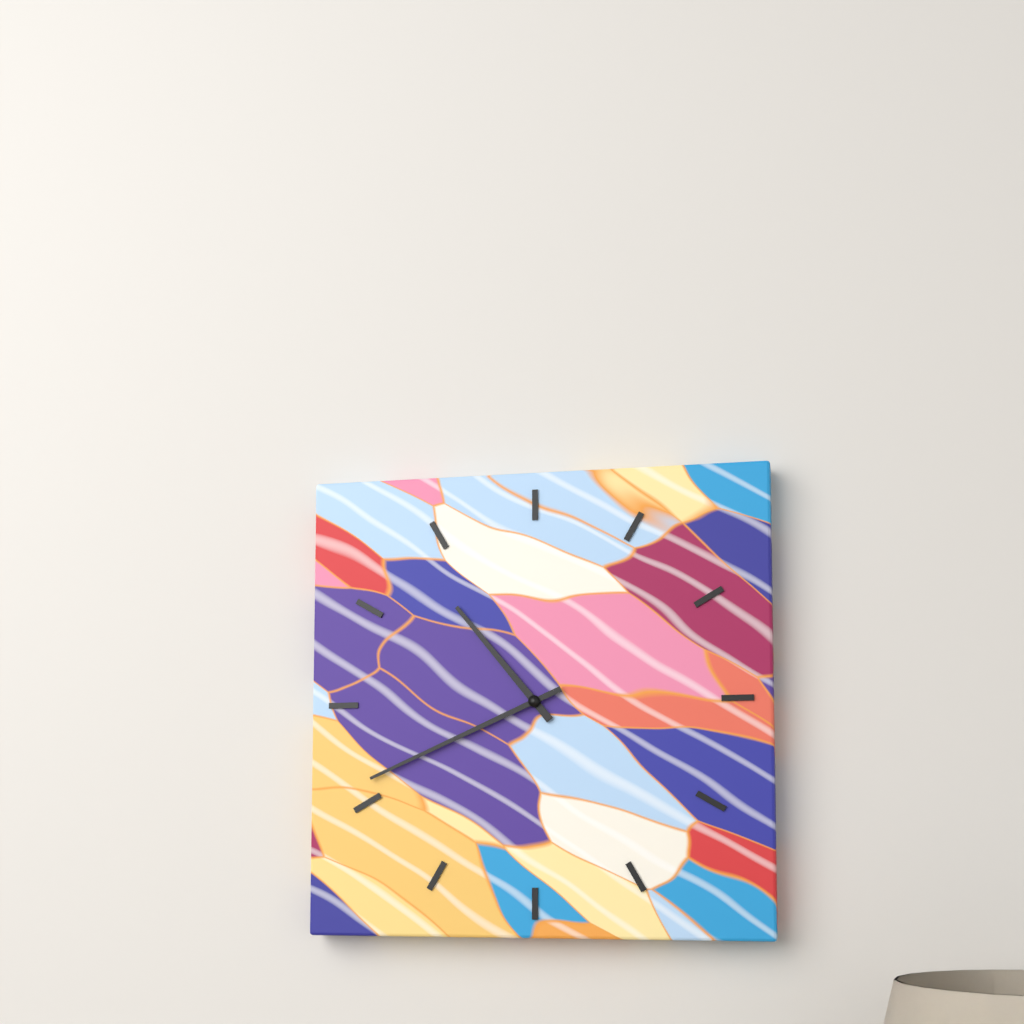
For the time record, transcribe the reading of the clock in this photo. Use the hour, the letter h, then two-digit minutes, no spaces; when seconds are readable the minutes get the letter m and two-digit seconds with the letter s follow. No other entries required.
10h41
